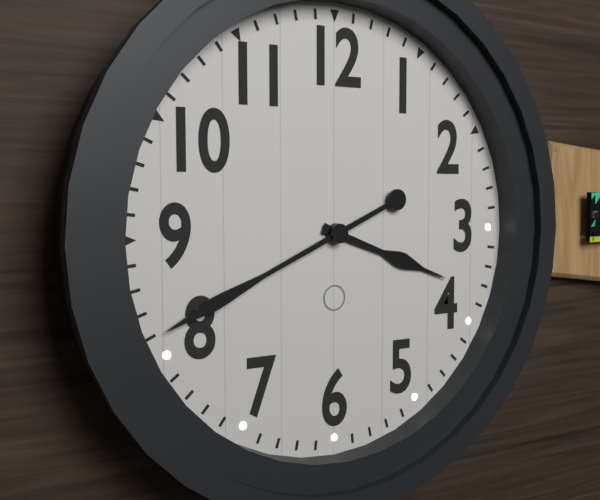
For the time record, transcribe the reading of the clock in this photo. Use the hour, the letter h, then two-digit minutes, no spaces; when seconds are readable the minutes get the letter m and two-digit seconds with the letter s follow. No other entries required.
3h41
